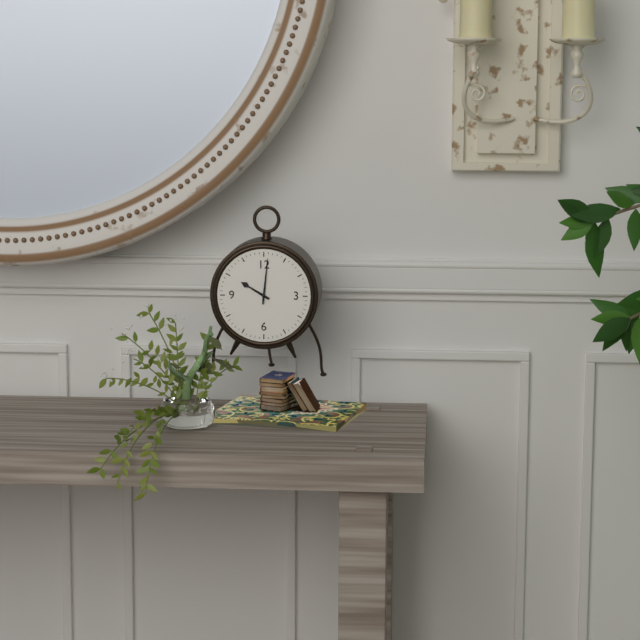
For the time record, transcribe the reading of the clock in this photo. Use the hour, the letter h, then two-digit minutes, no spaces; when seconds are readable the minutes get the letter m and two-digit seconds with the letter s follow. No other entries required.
10h01
